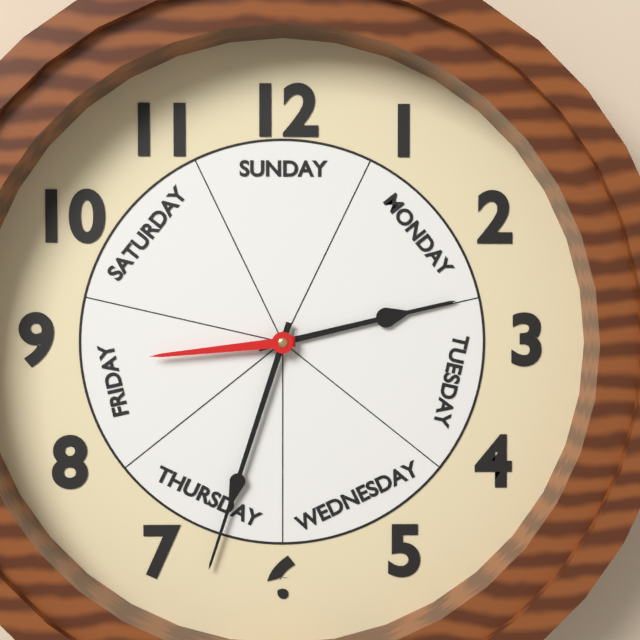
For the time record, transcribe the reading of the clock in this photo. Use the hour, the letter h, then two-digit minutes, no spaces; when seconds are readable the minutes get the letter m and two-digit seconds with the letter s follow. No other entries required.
2h33m44s
